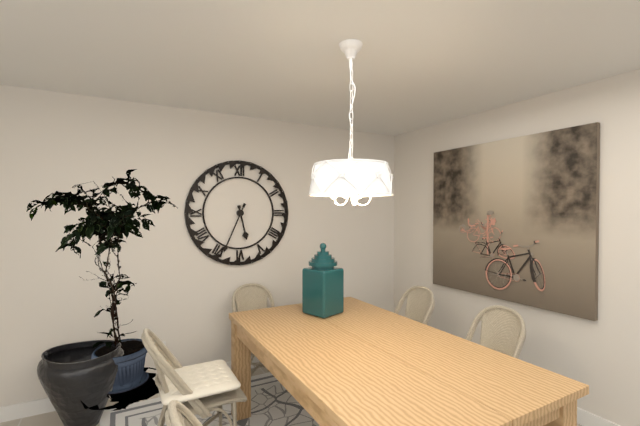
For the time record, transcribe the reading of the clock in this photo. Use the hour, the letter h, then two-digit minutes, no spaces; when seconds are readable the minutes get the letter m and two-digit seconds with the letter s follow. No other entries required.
5h34
